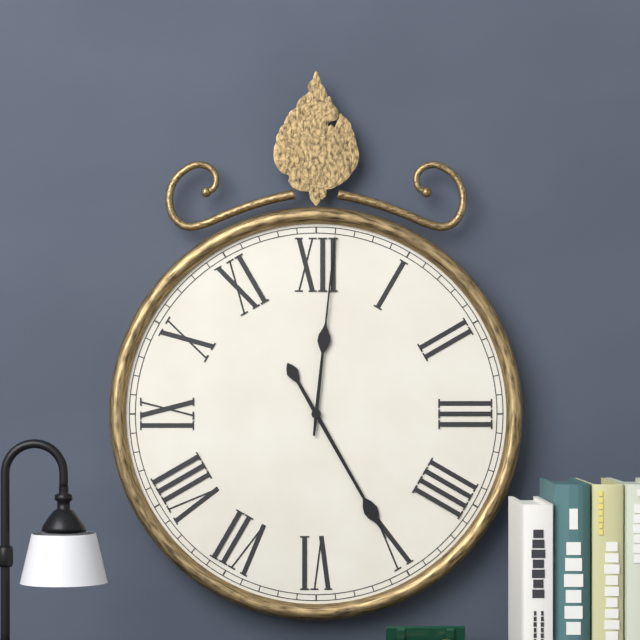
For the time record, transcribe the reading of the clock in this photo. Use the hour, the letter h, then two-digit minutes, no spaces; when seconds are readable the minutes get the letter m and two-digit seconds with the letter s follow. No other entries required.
5h01
